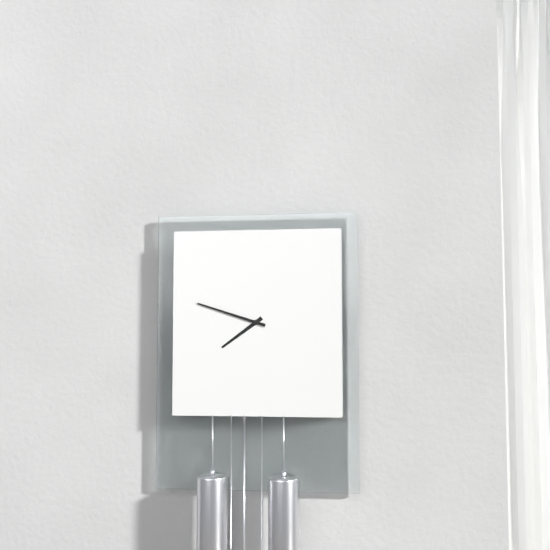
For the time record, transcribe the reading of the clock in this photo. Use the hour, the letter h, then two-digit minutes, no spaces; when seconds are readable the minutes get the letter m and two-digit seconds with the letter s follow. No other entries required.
7h48
